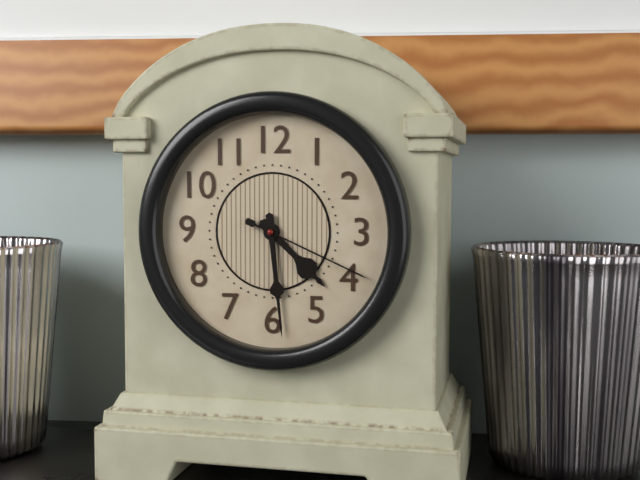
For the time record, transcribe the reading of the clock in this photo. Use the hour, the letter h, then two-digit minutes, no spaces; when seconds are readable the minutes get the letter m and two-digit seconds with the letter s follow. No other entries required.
4h29m19s
